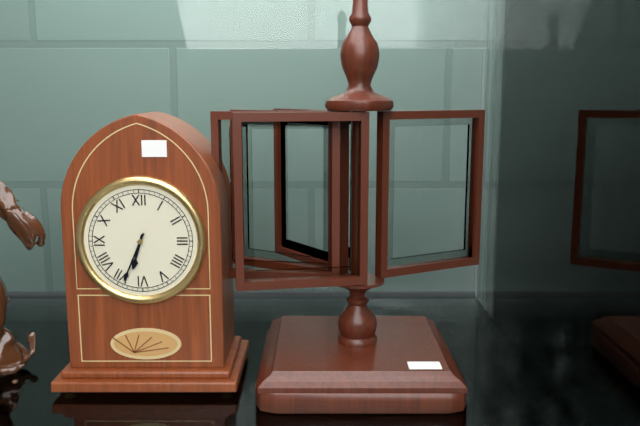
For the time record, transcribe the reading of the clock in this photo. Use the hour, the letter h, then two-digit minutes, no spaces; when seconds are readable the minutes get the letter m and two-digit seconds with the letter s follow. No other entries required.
6h34
